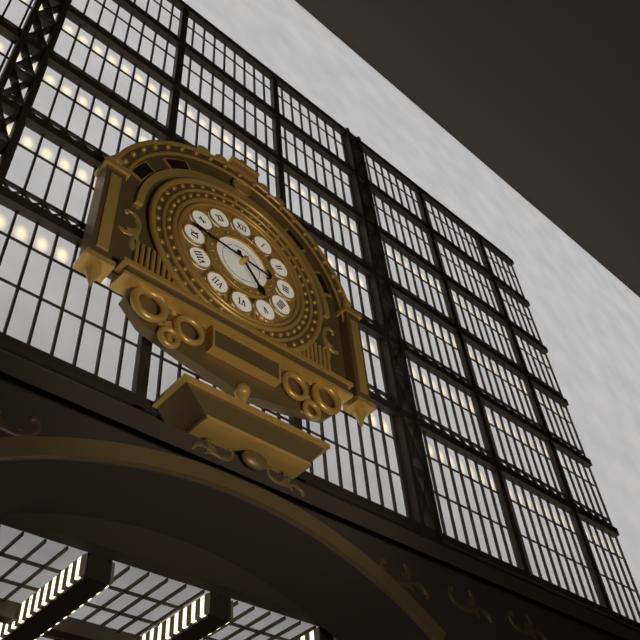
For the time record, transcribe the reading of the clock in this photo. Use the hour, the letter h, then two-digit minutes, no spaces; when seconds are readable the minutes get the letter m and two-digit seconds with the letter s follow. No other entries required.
4h46
